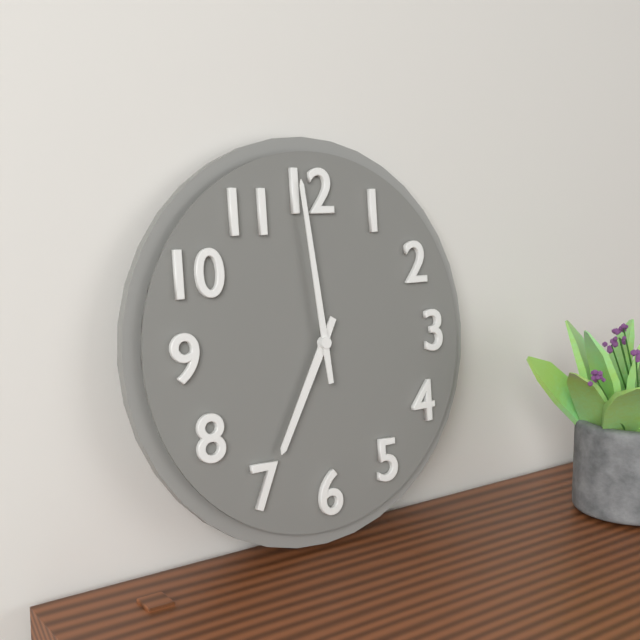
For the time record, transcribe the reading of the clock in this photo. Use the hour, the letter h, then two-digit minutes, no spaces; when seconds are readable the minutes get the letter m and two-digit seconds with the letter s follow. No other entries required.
6h59
